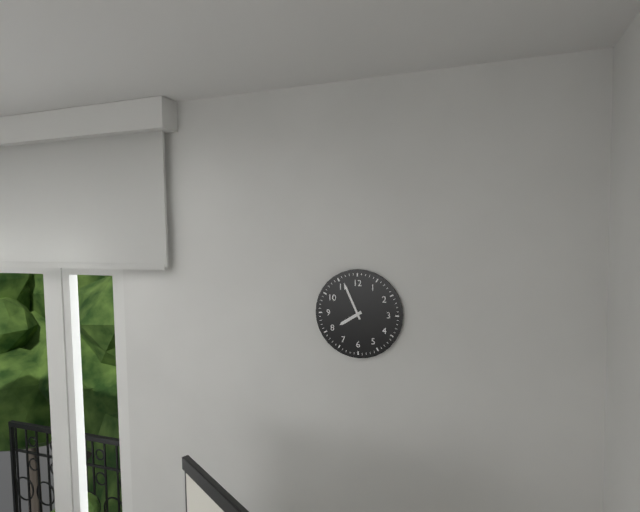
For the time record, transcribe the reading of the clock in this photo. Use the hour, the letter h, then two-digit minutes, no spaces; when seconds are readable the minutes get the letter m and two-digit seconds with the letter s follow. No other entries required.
7h56
